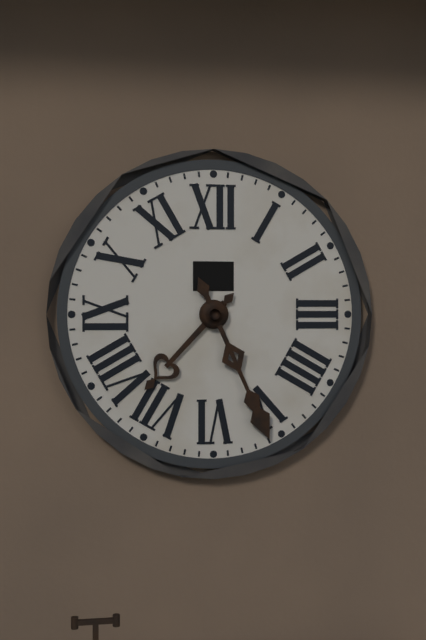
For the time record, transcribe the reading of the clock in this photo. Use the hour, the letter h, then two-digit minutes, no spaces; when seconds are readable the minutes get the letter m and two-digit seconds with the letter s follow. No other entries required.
7h26
